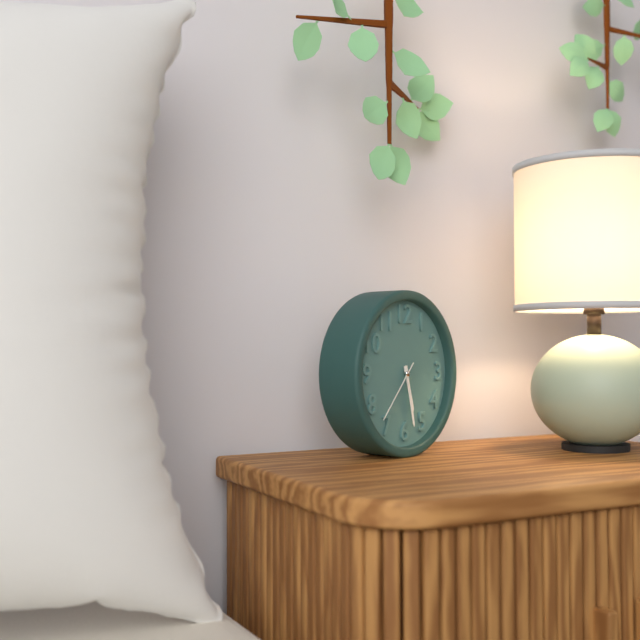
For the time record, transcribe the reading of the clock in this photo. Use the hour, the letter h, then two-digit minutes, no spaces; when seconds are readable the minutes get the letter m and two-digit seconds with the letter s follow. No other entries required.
5h28m37s
